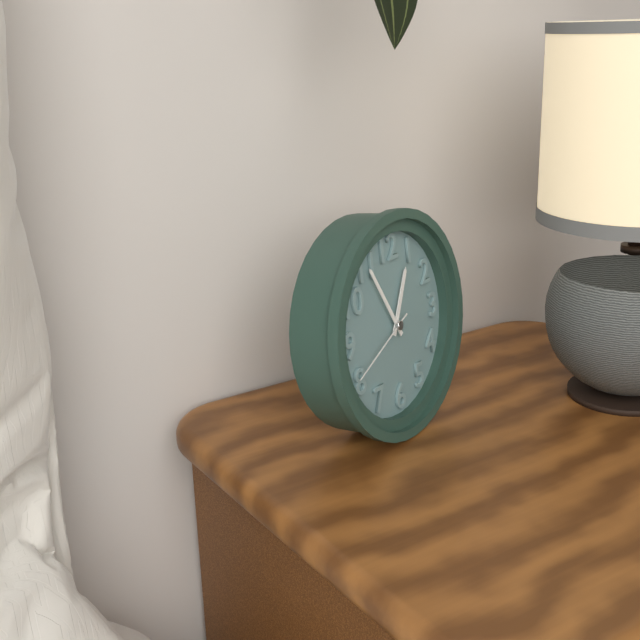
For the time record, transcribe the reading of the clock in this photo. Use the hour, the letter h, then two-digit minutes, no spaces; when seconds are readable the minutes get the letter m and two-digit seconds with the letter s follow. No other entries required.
12h55m41s
